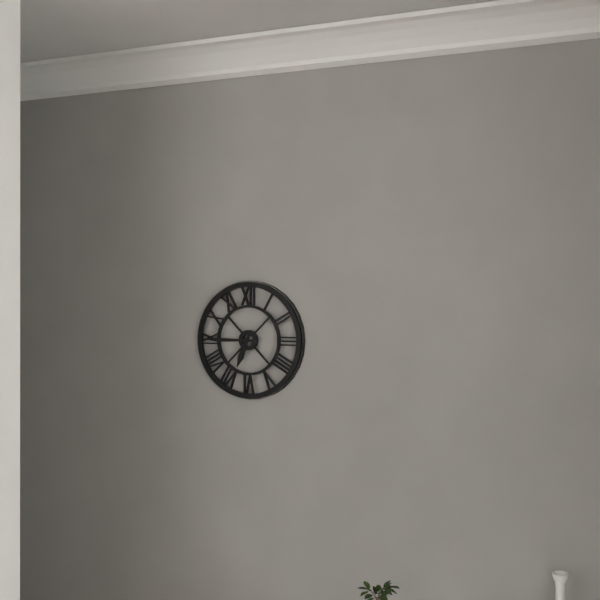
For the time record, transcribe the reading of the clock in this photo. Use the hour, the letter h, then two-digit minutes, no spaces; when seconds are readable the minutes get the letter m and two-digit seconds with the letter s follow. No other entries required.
6h45
